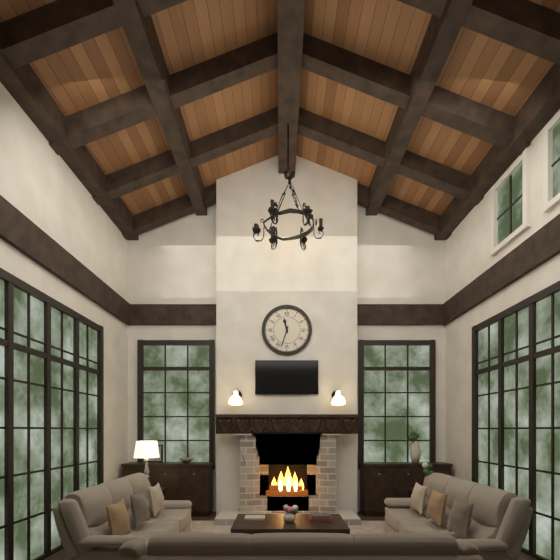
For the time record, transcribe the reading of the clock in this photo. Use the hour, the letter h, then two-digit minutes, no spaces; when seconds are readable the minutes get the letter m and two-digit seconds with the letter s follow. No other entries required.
11h33
